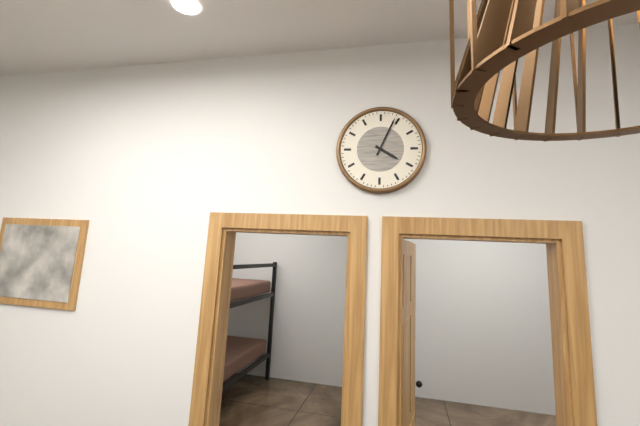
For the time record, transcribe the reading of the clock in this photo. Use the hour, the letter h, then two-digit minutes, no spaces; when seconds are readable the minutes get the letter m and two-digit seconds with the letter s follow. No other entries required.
4h04
